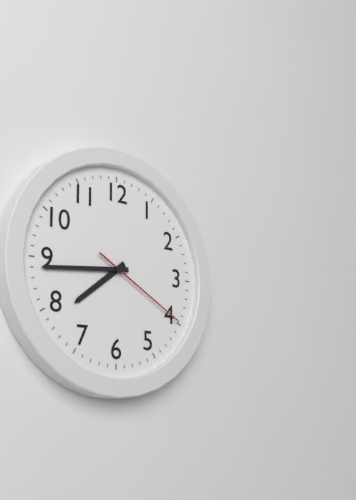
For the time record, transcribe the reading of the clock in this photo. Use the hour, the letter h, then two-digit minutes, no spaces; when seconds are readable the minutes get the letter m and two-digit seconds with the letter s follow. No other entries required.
7h44m20s
